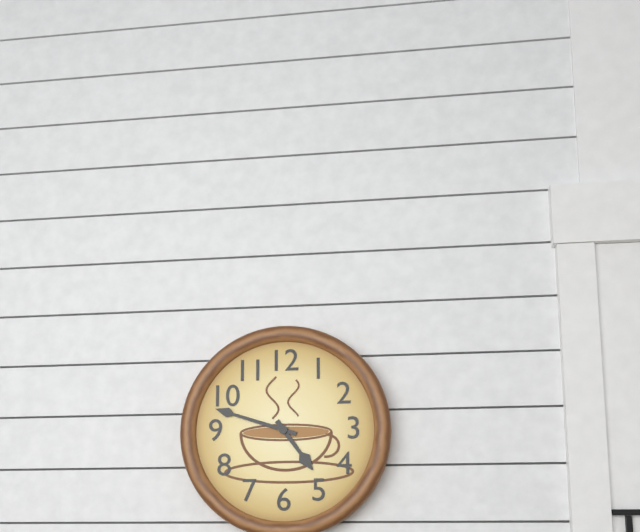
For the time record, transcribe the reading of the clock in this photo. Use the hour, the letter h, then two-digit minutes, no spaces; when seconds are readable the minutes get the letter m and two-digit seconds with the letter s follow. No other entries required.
4h48
